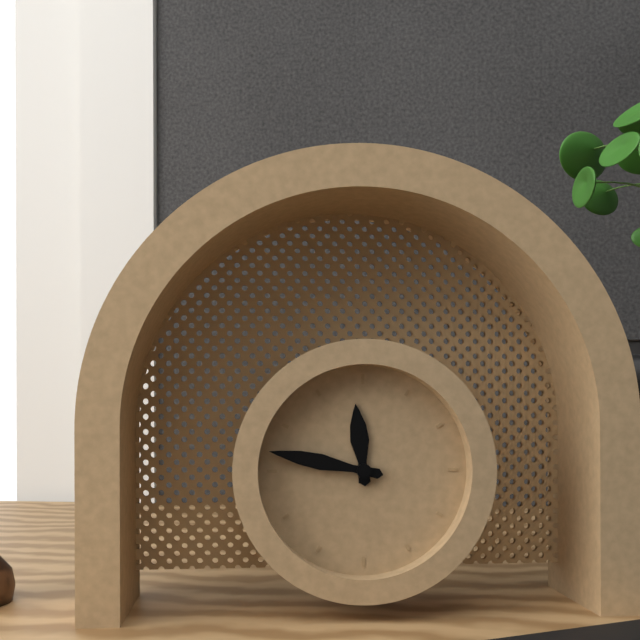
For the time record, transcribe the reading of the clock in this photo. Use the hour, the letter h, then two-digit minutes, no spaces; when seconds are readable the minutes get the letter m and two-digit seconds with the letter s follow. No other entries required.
11h47
